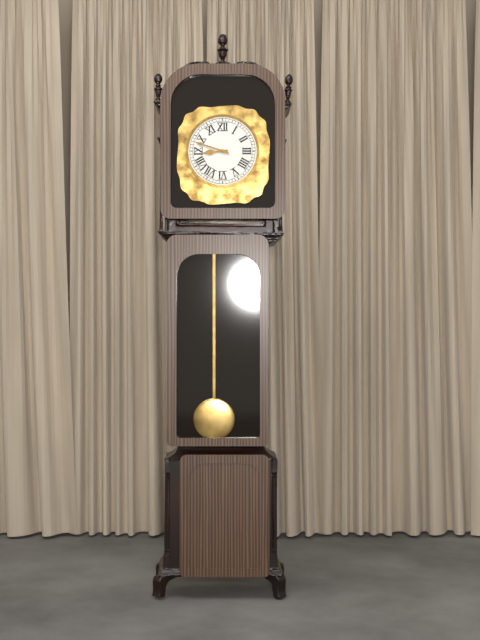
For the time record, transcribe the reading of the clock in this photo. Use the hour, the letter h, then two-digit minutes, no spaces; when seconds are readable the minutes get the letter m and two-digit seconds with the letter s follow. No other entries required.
8h48
